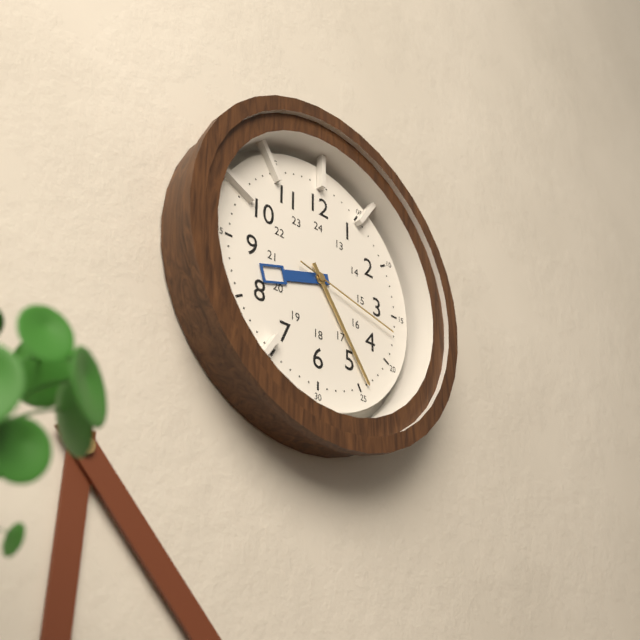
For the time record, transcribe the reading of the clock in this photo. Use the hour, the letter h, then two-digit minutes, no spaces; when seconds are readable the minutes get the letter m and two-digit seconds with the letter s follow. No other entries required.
8h24m17s
